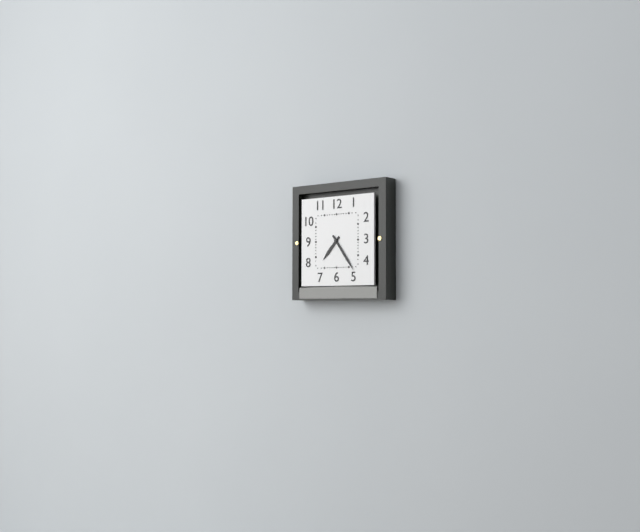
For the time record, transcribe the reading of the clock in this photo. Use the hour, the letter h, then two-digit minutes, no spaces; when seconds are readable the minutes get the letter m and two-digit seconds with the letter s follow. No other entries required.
7h24
